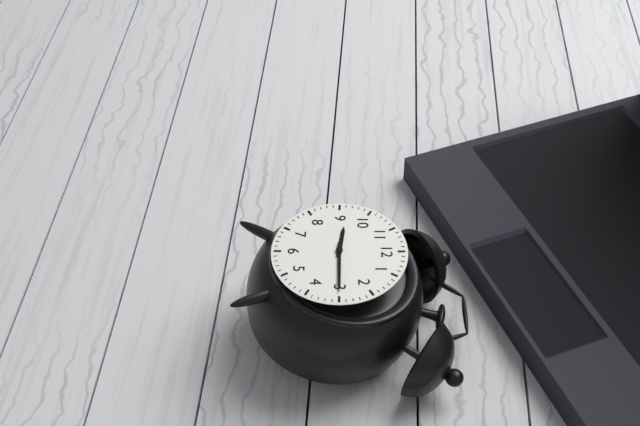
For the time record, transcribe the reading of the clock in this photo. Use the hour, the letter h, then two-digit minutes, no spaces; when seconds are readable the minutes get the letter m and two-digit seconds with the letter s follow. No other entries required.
9h15
